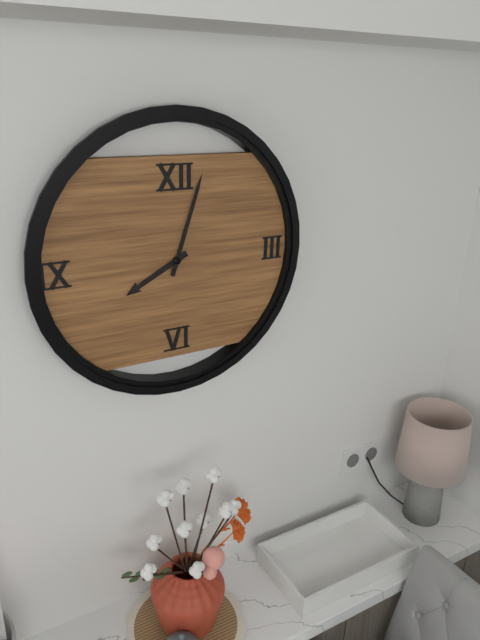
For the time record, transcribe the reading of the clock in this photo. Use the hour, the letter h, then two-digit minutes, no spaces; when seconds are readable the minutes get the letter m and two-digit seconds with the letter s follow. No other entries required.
8h03
